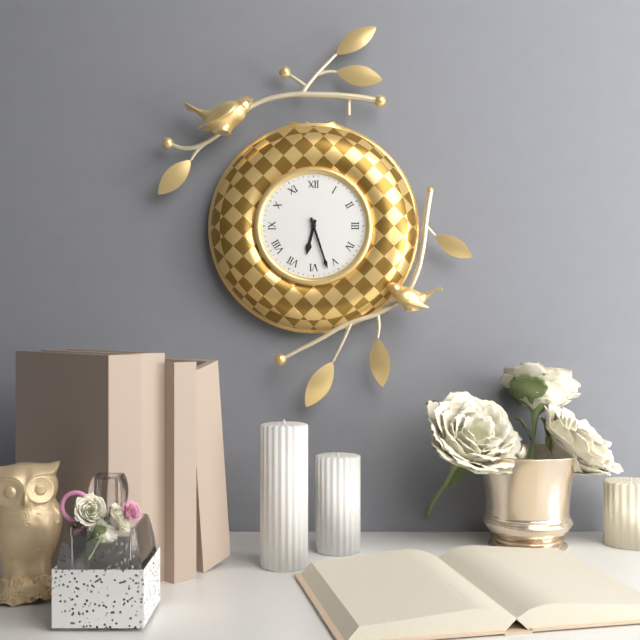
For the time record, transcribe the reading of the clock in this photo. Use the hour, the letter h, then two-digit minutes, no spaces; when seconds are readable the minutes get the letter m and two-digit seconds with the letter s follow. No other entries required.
6h27
